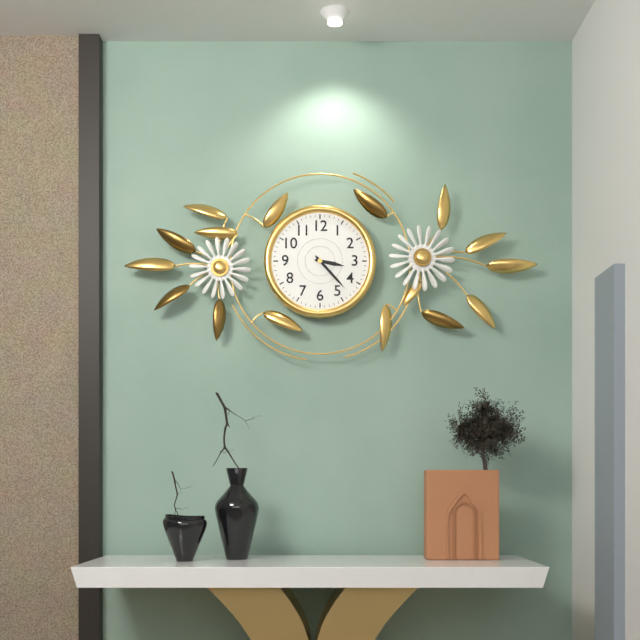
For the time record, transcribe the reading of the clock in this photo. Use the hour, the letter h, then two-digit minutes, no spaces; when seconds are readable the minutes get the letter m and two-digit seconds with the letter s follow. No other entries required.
3h23
